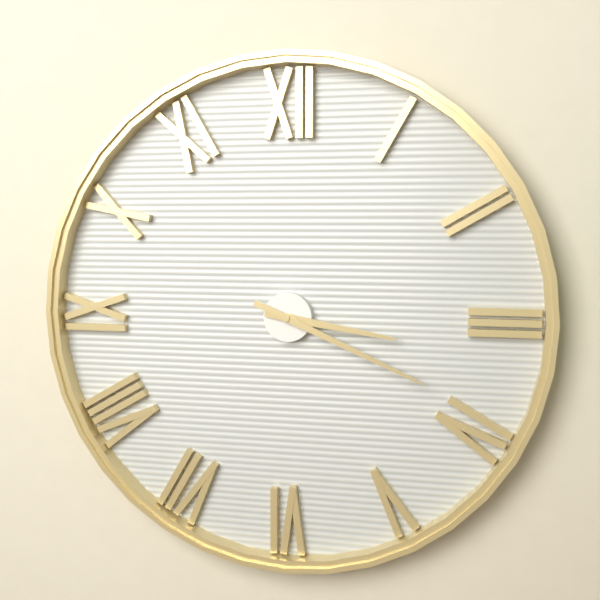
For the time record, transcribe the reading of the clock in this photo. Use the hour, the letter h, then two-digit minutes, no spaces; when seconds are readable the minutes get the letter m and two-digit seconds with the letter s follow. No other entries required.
3h19
